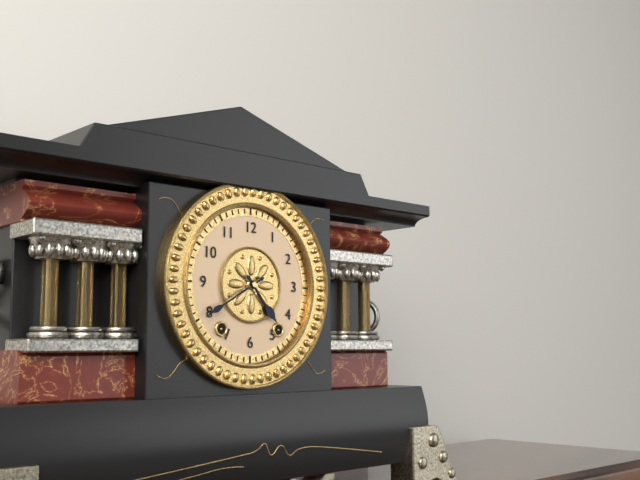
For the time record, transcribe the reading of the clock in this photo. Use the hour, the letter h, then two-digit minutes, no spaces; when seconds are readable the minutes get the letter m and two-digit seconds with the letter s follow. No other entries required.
4h40
